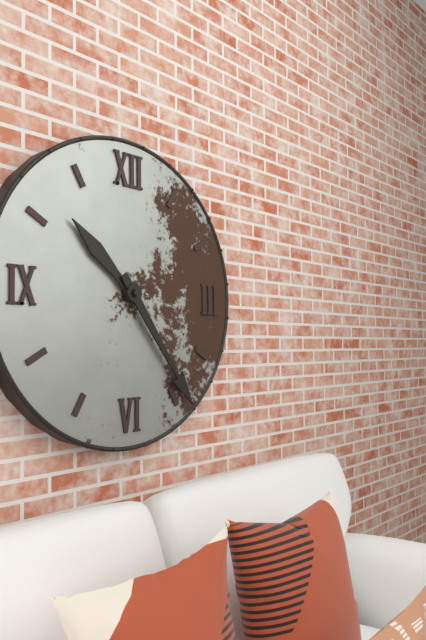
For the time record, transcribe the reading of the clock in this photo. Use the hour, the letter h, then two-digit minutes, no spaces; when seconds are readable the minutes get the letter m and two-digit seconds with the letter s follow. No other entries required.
10h24
